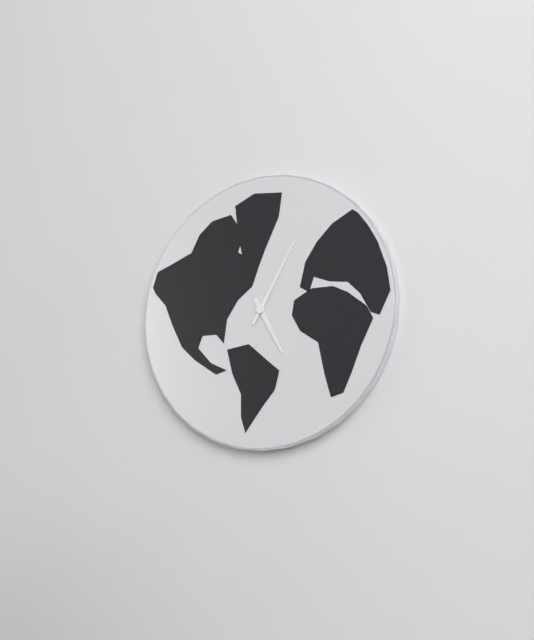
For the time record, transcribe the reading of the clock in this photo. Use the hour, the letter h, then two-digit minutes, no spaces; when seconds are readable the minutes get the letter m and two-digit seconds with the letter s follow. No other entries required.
5h05
